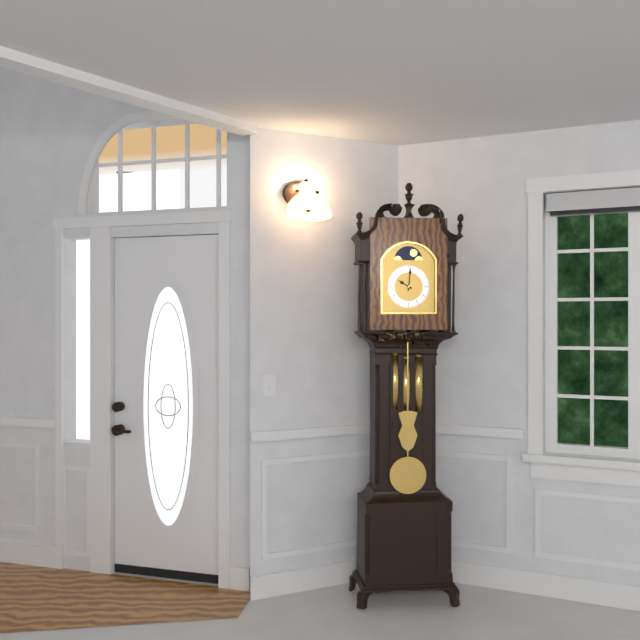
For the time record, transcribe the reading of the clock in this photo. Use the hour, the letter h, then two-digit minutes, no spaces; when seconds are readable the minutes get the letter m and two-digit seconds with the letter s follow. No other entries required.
10h01
